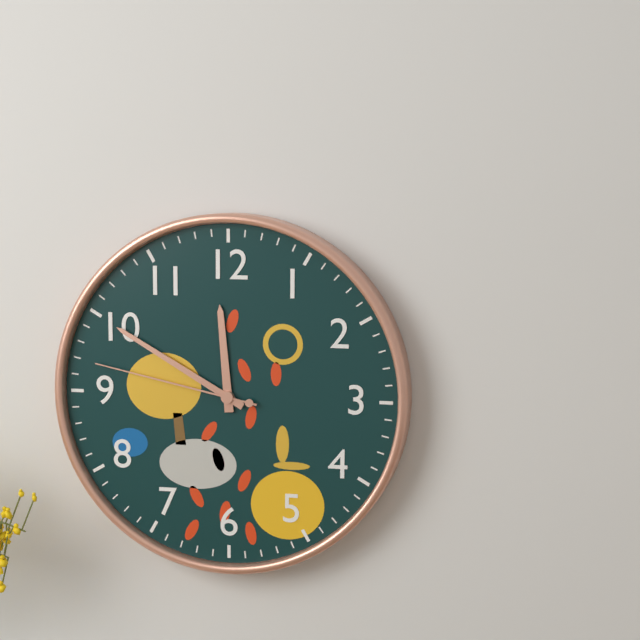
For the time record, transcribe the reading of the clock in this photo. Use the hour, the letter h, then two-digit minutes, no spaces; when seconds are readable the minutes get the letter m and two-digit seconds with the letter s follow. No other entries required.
11h50m47s
